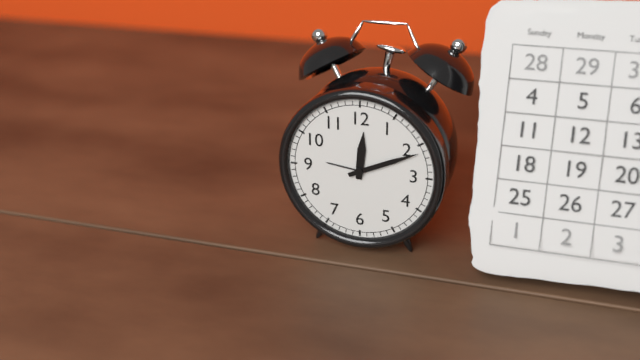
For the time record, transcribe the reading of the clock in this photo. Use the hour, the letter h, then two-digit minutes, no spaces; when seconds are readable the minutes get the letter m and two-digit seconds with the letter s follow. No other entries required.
12h11
